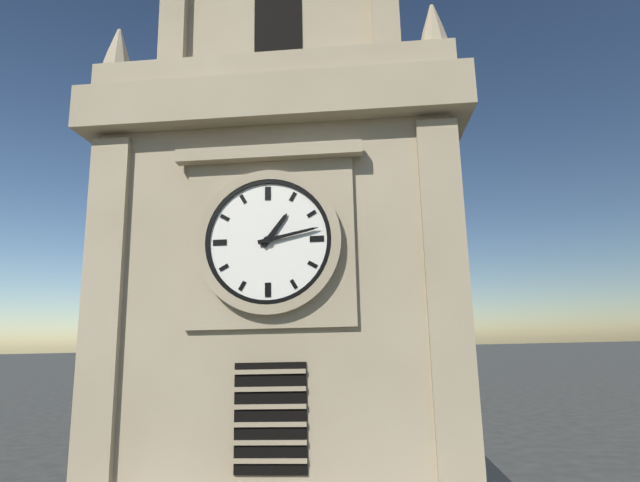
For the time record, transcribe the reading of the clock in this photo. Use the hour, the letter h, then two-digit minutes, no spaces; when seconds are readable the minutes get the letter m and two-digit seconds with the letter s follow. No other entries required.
1h13
